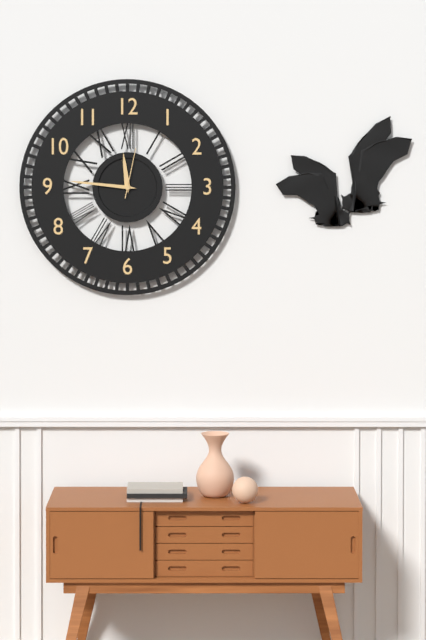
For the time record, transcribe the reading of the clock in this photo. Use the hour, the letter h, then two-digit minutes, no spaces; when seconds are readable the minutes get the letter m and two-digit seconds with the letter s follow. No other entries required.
11h46m02s
